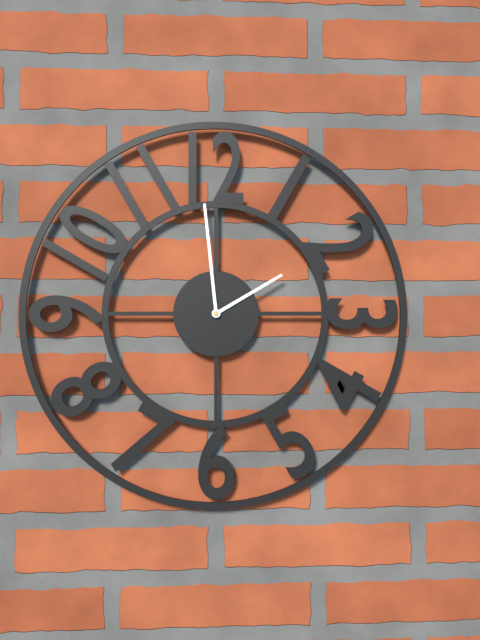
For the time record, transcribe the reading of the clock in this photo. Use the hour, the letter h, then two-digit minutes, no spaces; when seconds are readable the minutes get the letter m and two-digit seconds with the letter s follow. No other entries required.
1h59
